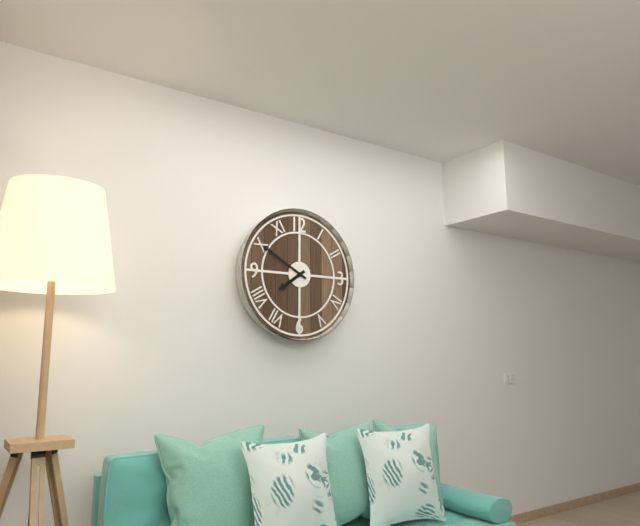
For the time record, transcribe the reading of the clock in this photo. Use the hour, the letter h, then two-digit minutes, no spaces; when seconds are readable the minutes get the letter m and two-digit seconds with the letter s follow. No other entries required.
7h50
